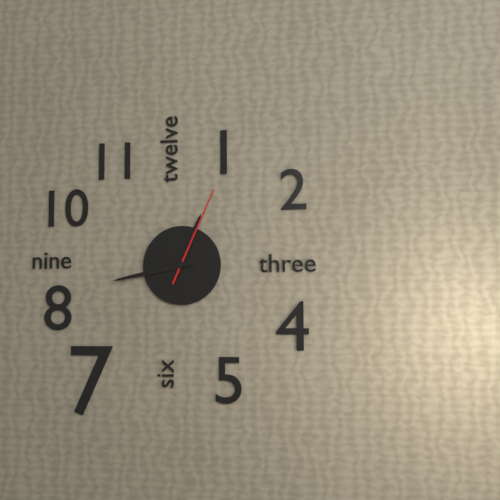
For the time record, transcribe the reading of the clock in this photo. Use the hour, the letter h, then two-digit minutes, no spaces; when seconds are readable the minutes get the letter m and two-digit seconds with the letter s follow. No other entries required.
12h43m04s
